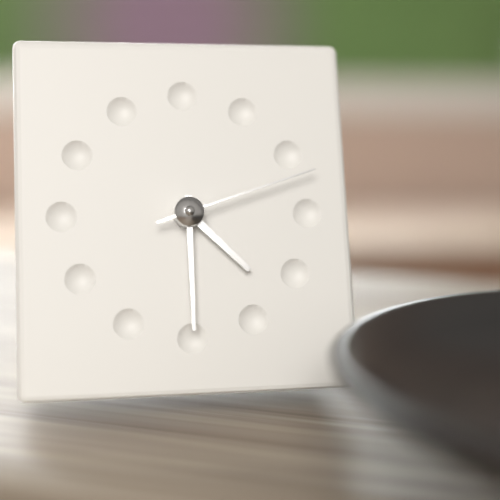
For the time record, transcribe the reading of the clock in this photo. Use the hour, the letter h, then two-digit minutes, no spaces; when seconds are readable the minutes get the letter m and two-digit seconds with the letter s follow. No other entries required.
4h30m12s
